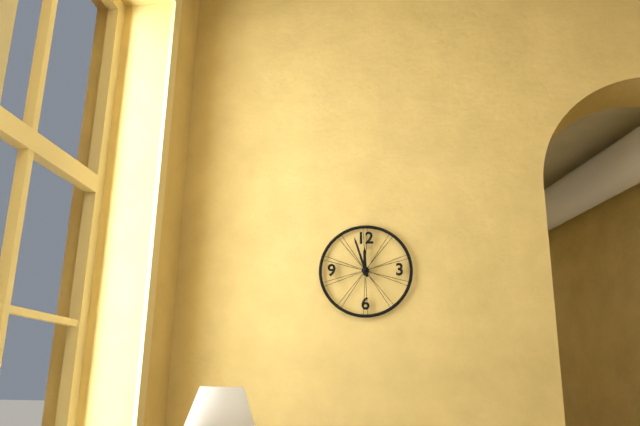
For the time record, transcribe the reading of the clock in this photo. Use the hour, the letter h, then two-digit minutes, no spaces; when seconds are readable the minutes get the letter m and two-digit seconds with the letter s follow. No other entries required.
11h57
